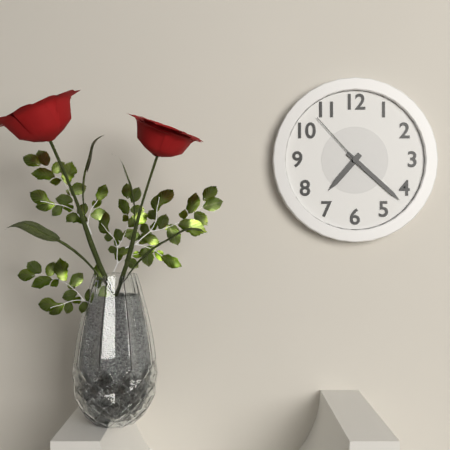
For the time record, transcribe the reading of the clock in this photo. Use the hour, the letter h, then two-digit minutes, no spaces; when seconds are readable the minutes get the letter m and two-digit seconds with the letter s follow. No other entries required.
7h22m53s
